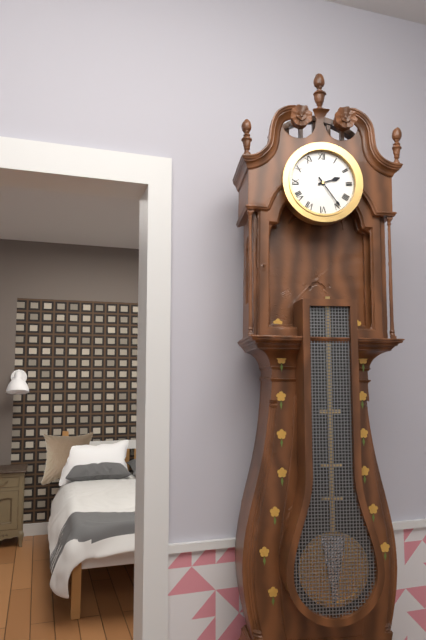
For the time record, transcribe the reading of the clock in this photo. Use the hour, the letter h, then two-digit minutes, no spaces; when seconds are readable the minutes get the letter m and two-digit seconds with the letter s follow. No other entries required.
2h24
